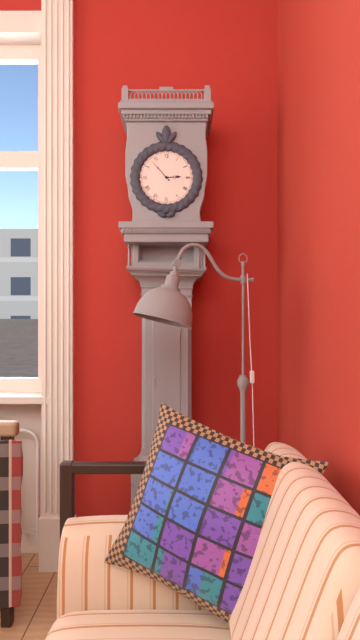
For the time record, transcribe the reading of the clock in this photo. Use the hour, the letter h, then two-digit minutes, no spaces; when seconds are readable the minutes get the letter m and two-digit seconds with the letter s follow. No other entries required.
2h53
